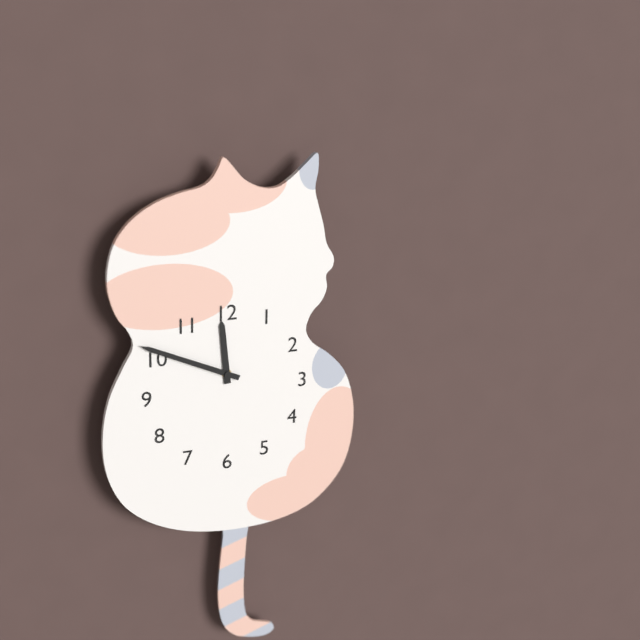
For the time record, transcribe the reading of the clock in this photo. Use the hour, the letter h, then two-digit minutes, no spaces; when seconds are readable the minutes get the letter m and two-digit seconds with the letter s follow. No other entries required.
11h49
